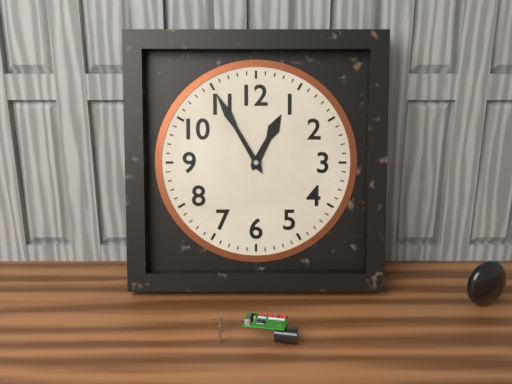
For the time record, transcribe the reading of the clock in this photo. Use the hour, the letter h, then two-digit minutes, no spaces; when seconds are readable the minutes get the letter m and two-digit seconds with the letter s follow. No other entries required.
12h55
